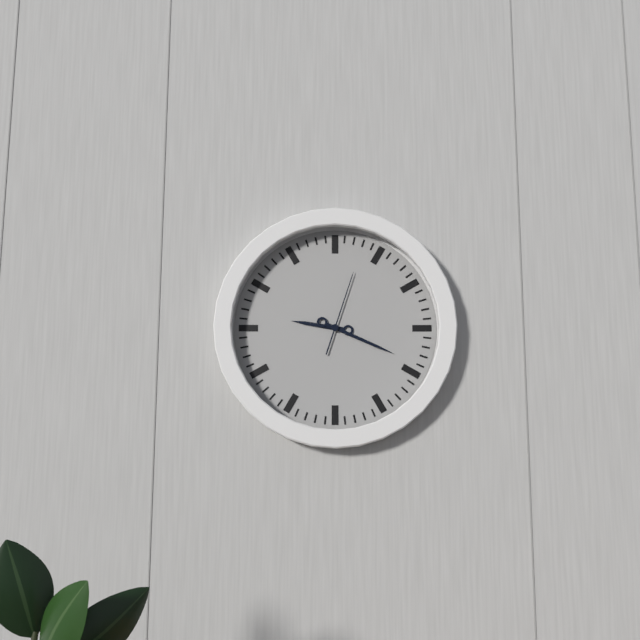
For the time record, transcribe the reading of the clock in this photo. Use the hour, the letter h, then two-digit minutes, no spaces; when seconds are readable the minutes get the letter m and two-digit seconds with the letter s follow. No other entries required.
9h19m03s
